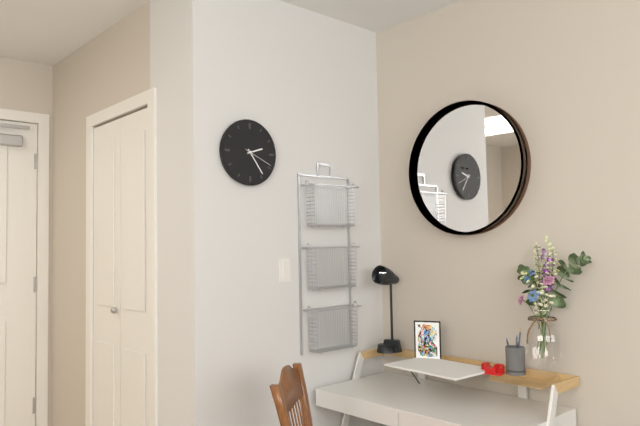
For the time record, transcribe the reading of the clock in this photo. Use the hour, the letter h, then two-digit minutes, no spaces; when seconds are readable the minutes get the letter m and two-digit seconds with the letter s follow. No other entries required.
2h24
